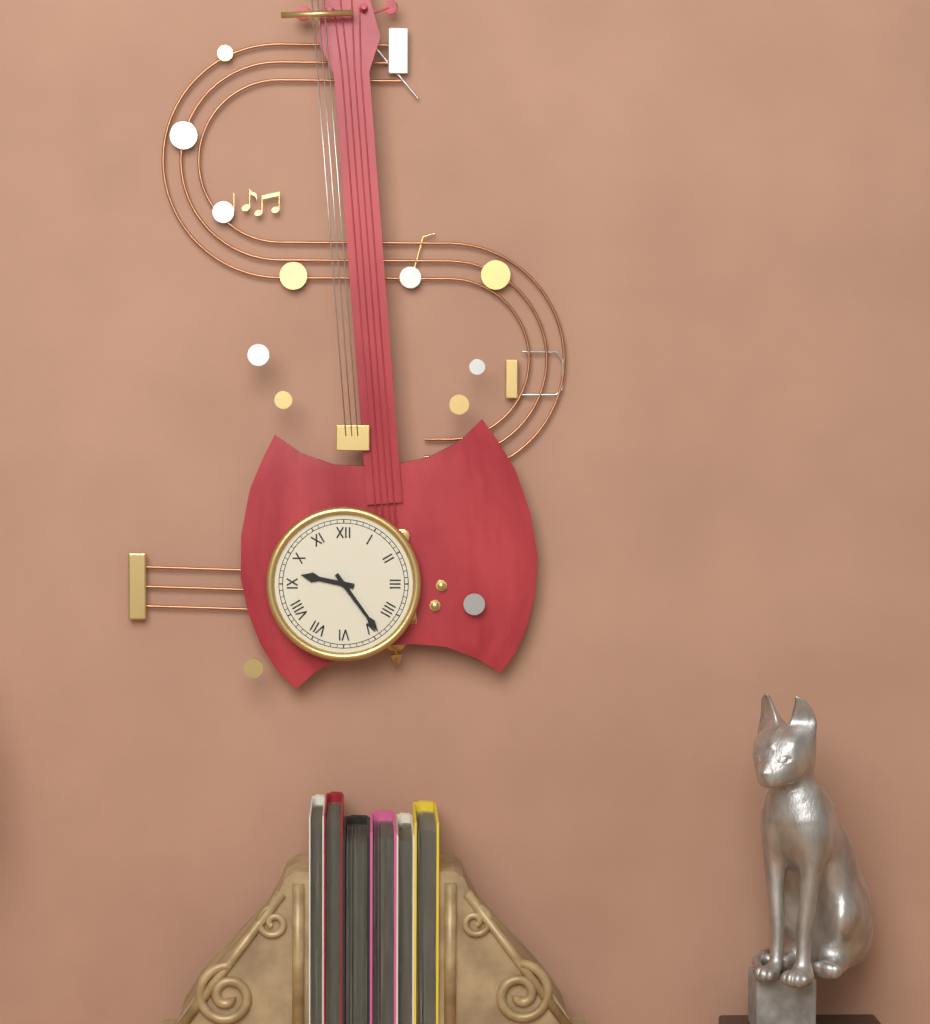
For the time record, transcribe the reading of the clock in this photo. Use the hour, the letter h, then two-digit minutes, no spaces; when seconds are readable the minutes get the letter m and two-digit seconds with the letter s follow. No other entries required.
9h24
